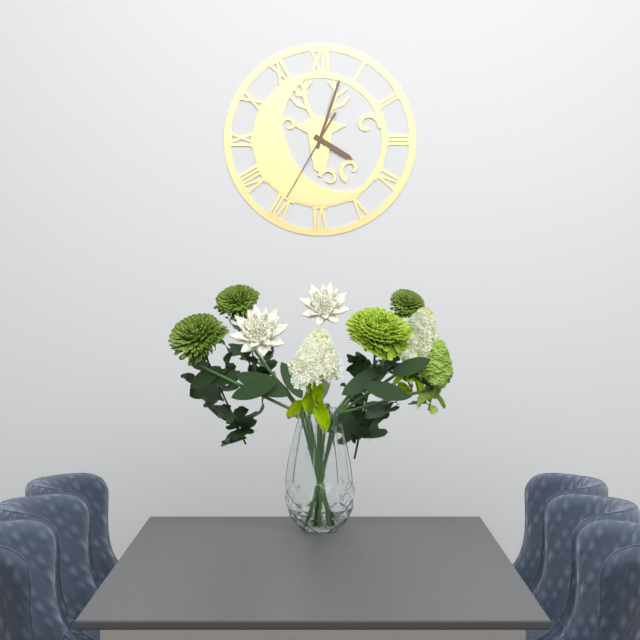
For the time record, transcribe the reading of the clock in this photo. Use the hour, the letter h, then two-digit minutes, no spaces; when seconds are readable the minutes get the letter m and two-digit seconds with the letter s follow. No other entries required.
4h03m35s
